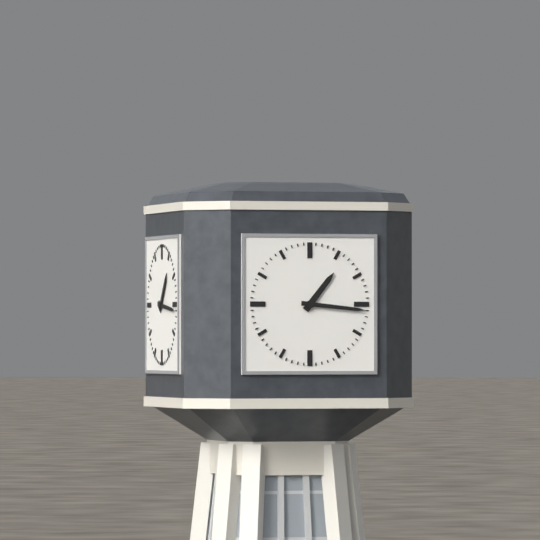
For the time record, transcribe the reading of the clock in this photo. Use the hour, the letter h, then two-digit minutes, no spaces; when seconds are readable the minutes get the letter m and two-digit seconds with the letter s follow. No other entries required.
1h16
